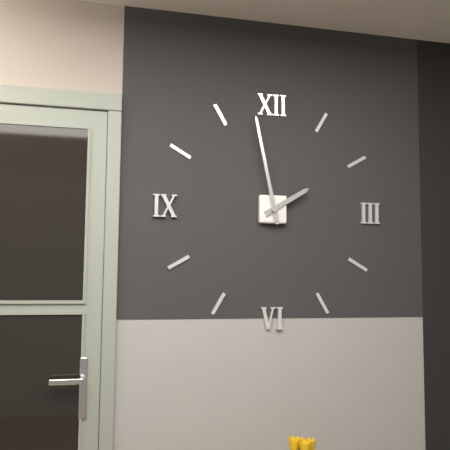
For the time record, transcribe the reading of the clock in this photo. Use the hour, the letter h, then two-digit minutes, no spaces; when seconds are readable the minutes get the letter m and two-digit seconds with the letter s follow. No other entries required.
1h58
